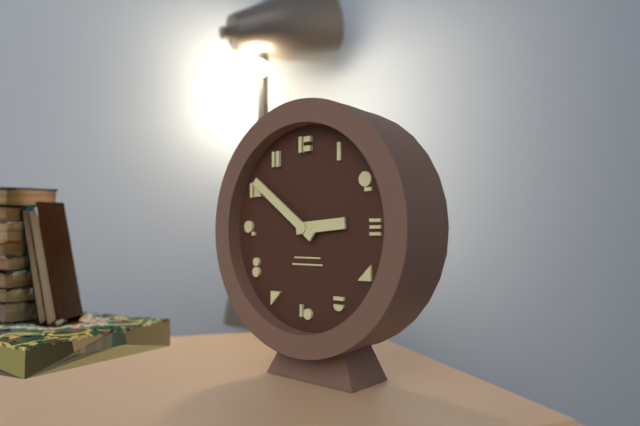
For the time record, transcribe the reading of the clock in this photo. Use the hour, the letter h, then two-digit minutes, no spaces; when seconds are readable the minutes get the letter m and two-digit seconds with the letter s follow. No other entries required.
2h51
